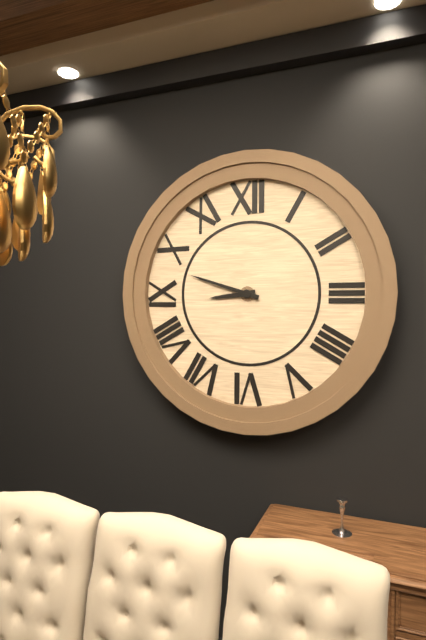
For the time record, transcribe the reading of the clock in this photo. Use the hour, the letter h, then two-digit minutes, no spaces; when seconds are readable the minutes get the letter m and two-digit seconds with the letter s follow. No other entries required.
8h48
